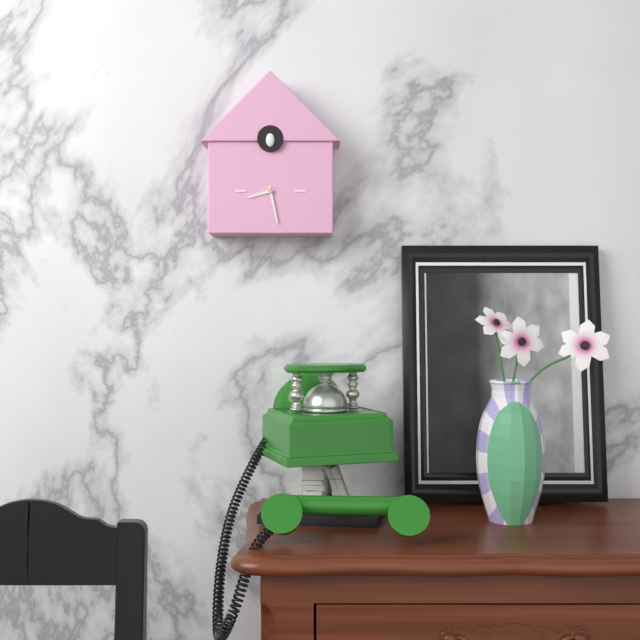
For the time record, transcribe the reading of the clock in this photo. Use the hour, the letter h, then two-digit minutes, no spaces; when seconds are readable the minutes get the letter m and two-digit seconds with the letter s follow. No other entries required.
8h28
